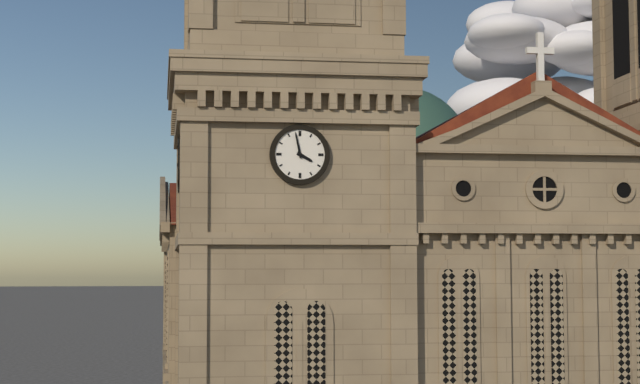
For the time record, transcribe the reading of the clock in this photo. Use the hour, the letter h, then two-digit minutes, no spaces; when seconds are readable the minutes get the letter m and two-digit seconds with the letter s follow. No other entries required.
3h58
